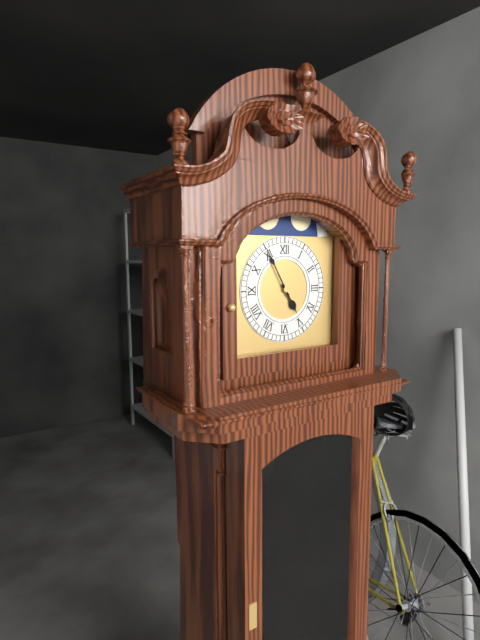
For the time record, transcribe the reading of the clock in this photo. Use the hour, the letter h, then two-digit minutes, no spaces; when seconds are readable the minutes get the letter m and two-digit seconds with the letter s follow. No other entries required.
4h55
